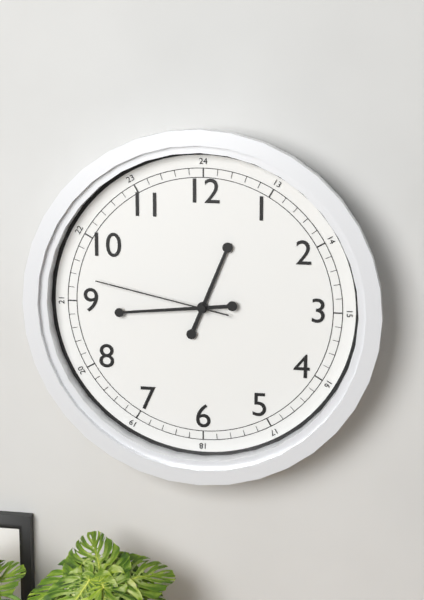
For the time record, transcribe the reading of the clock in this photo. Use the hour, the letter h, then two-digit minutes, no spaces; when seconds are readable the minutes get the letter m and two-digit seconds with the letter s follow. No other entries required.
12h44m47s
